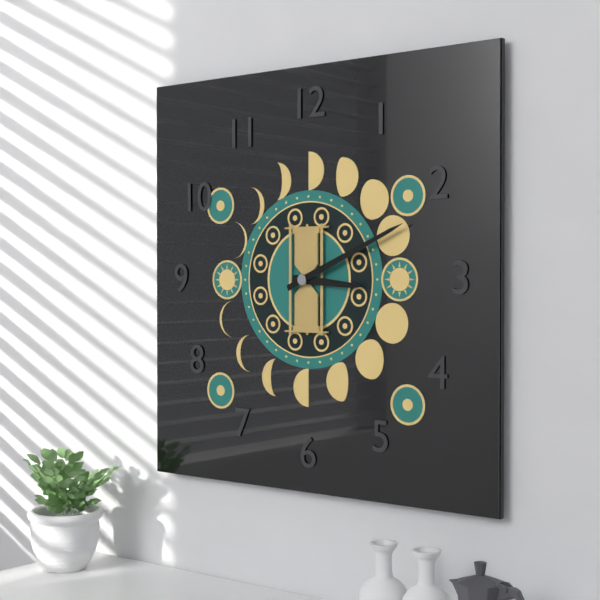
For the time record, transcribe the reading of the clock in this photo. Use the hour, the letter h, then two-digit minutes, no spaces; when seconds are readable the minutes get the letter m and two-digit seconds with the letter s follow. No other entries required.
3h11
